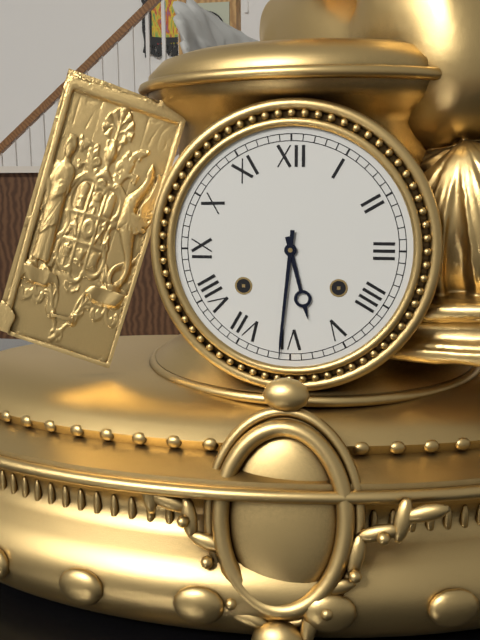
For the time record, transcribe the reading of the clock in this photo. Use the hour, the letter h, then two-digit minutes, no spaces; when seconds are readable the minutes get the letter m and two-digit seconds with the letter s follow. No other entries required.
5h31
